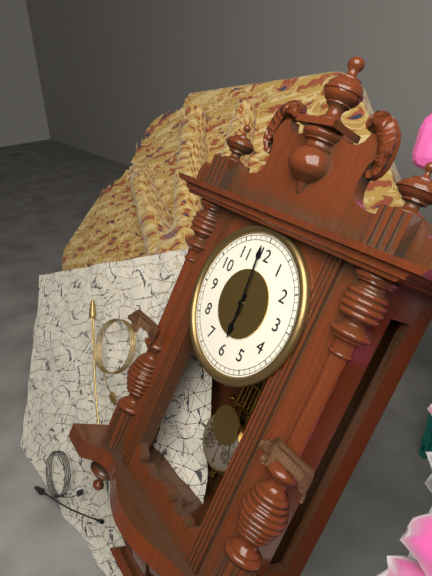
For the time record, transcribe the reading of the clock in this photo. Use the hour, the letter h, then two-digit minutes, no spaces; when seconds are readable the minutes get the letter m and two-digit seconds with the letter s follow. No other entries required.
5h59
